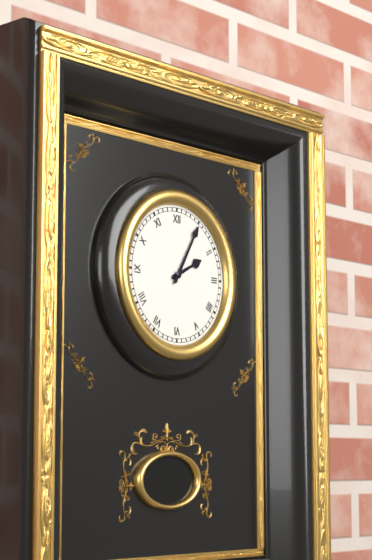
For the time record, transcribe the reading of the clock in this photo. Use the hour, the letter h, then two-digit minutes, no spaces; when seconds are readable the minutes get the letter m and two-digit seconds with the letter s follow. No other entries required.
2h05
